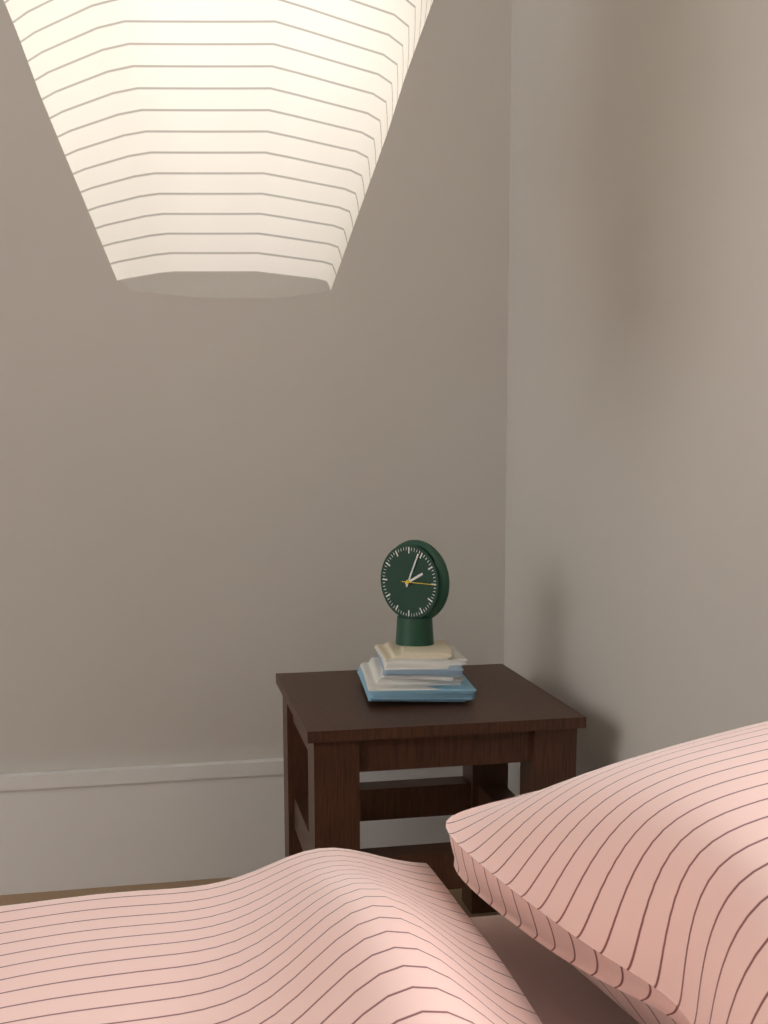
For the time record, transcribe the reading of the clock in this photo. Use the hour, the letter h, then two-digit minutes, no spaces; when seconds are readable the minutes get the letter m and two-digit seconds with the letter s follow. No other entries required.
2h04
